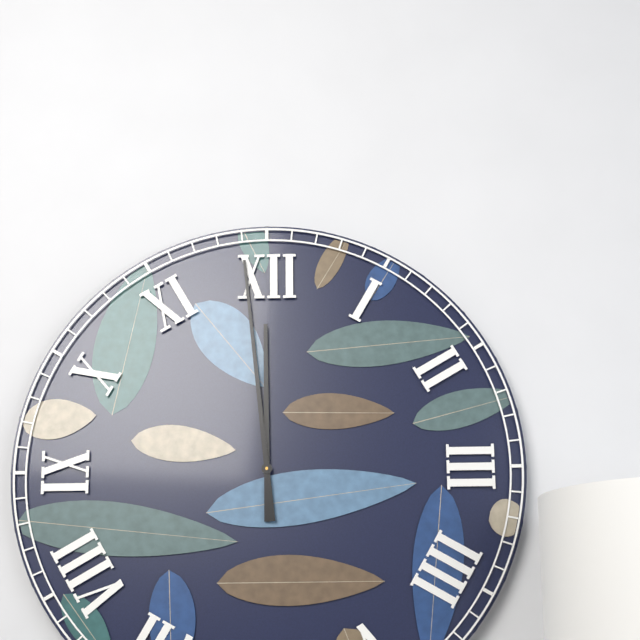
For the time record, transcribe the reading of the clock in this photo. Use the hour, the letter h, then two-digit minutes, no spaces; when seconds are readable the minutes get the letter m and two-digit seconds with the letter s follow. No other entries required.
11h59
